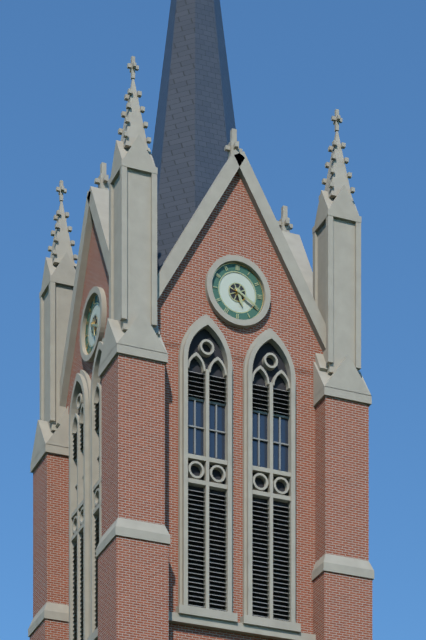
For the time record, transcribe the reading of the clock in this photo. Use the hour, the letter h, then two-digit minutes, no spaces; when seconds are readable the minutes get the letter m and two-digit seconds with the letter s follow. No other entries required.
5h20
